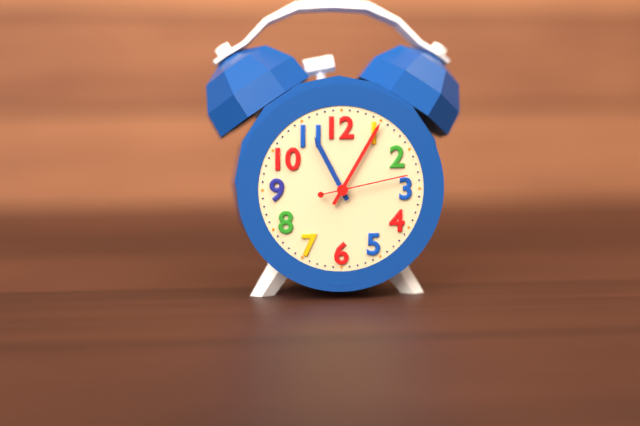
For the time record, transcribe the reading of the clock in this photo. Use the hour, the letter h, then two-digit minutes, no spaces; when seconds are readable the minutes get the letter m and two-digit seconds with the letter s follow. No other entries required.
11h05m13s
